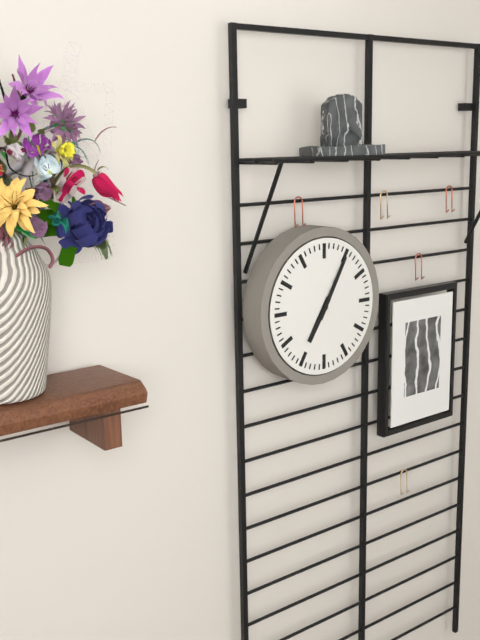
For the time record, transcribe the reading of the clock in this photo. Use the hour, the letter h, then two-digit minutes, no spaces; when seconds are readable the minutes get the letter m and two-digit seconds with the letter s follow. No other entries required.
7h05
